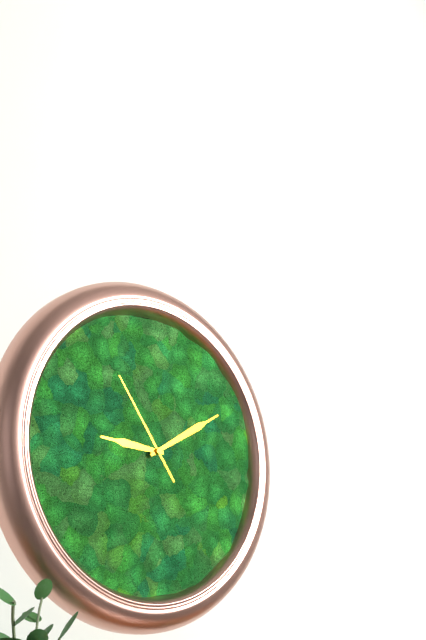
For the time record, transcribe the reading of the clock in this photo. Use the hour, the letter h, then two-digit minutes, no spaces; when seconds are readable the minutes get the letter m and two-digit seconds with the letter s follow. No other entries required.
9h10m54s
